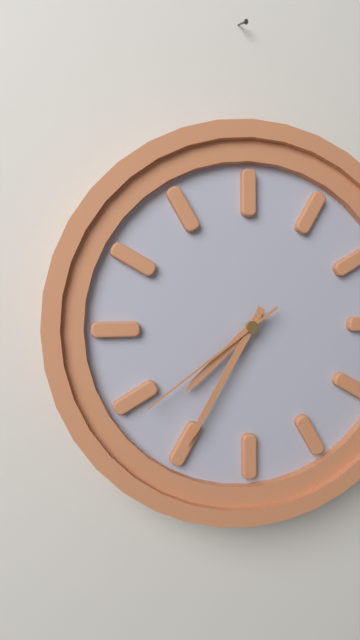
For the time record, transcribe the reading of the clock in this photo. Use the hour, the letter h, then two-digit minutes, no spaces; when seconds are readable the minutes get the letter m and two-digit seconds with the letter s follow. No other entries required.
7h35m39s
